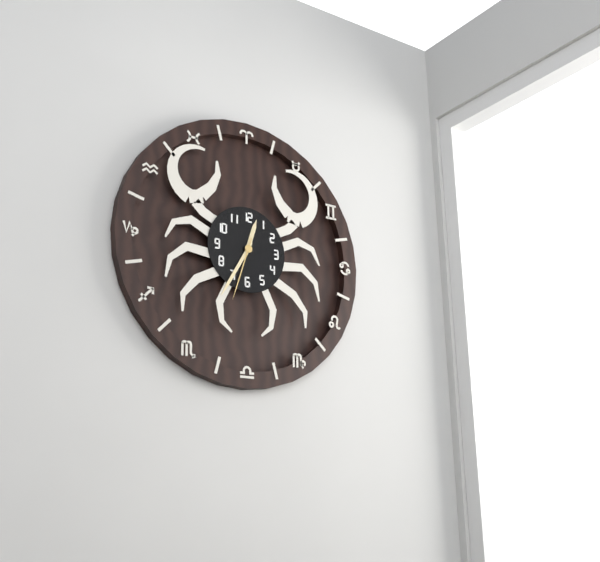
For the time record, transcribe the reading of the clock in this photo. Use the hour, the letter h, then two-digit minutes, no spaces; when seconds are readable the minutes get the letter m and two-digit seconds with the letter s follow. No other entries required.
12h35m33s
